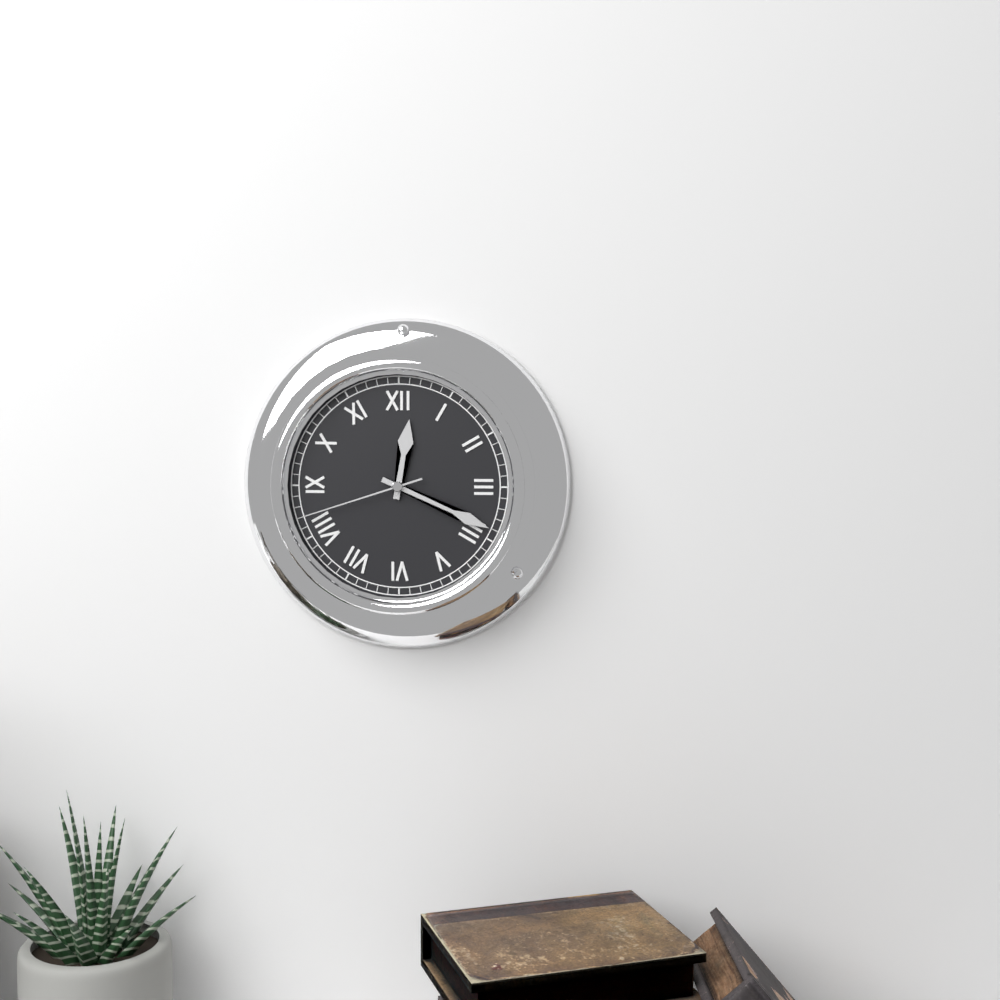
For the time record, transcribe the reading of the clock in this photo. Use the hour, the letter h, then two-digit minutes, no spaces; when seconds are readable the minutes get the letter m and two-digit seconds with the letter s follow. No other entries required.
12h19m42s
